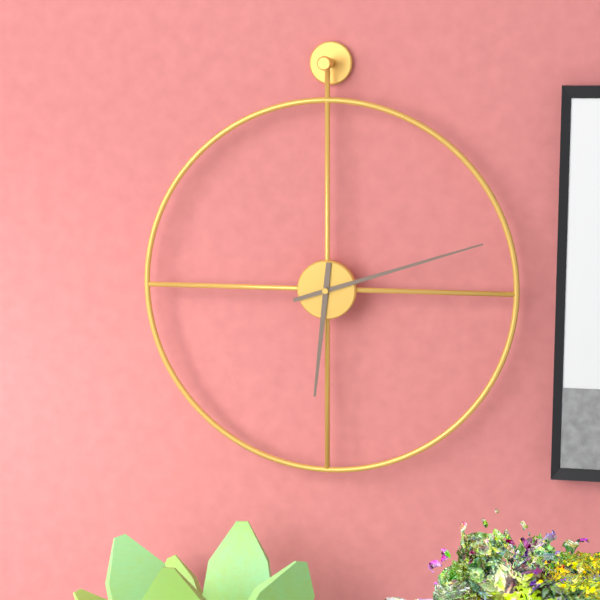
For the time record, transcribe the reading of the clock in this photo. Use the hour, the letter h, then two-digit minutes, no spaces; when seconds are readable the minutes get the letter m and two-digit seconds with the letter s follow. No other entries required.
6h12
